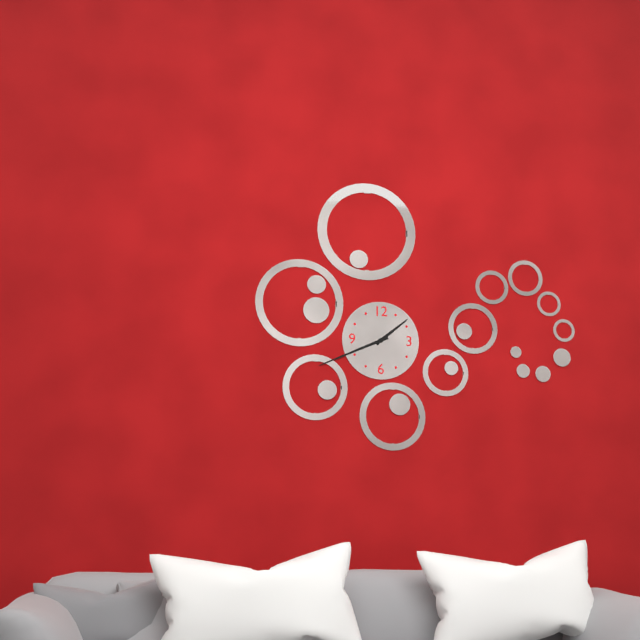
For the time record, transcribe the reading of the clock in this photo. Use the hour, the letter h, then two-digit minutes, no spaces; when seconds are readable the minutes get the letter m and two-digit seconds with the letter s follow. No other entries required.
1h41
